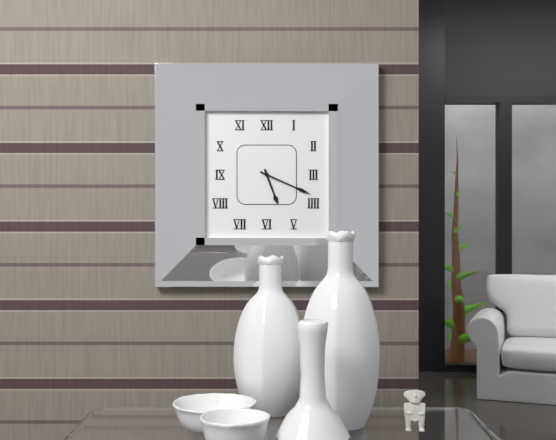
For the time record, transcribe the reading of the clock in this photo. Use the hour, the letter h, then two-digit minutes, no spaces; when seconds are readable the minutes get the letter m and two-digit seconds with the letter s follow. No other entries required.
5h19
